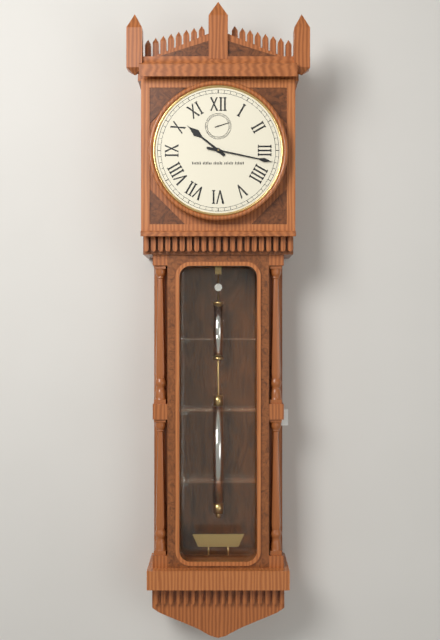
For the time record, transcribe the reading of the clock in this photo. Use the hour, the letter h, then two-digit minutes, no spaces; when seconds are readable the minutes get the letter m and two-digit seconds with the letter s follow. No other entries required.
10h17
